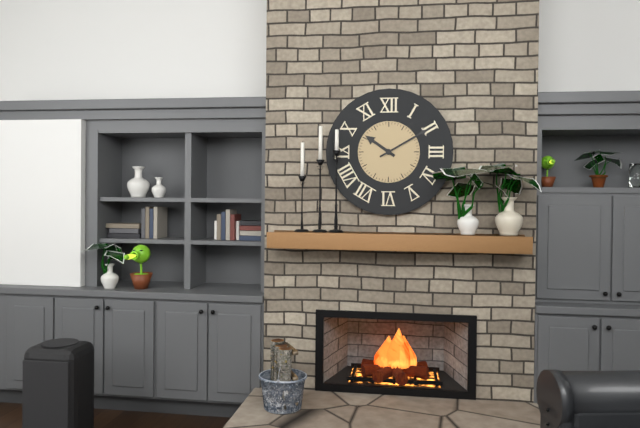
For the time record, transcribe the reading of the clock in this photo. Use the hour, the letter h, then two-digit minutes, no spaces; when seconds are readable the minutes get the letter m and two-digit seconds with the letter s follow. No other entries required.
10h10
